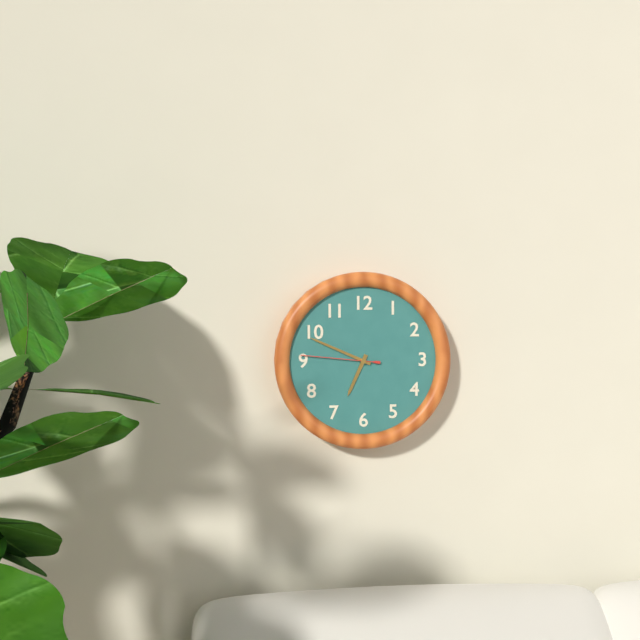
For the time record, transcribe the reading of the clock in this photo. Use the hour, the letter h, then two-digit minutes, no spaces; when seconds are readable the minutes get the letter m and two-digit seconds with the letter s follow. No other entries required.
6h49m46s
